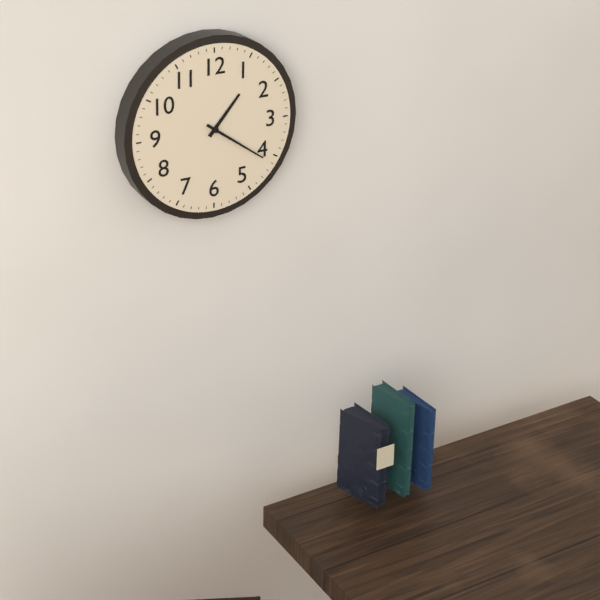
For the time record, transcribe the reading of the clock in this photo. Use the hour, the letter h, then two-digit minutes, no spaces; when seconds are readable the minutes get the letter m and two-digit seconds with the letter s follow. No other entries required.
1h21
